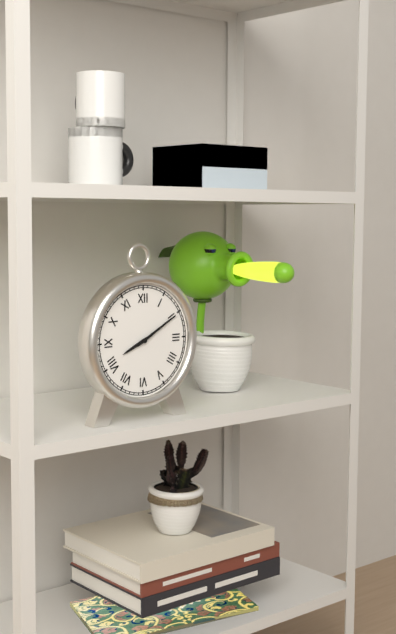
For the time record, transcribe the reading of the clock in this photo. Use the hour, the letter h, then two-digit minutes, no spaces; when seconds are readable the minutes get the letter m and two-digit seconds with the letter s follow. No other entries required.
8h10
